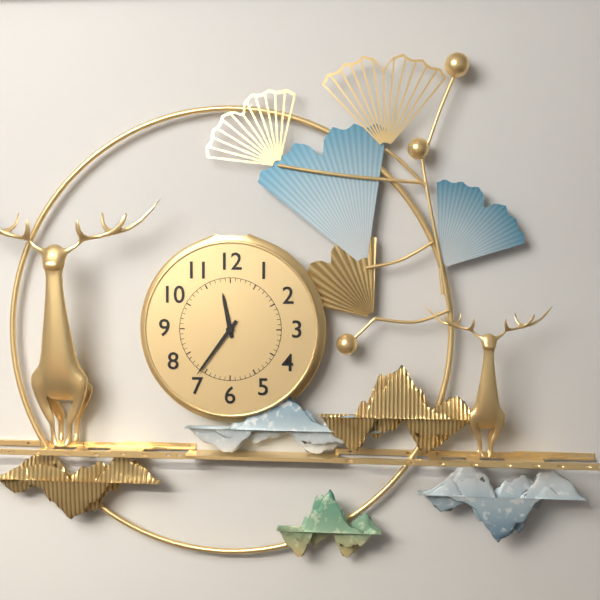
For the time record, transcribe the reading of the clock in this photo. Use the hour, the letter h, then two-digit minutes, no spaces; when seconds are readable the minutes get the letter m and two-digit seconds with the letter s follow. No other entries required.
11h36
